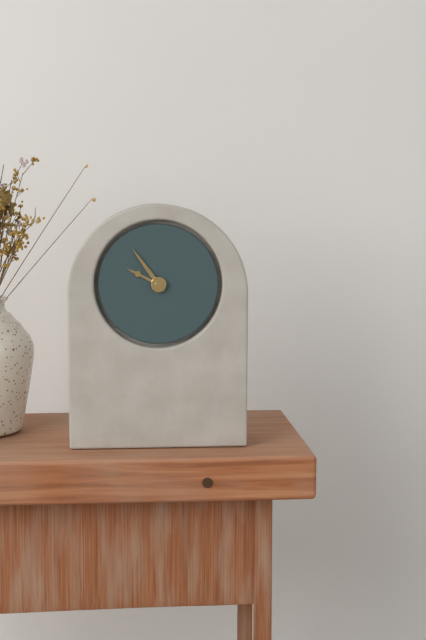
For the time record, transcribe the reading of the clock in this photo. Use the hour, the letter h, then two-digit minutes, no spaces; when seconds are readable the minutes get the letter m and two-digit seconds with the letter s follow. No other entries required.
9h54
